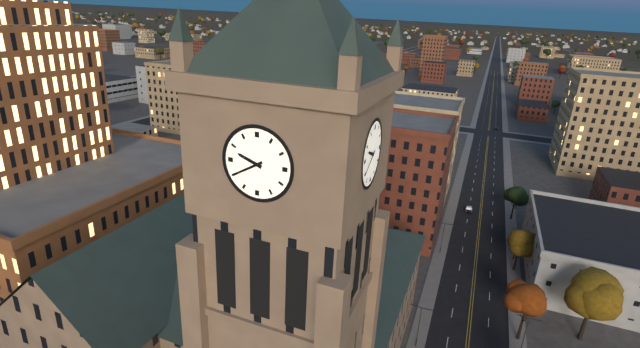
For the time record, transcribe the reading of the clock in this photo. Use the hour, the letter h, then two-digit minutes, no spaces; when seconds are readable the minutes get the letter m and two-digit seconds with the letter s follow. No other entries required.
9h40
